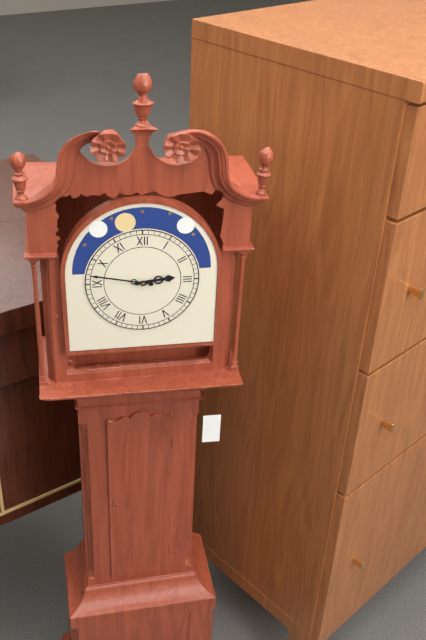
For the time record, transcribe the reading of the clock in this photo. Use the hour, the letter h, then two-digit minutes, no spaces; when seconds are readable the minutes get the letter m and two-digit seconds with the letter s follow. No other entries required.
2h47
